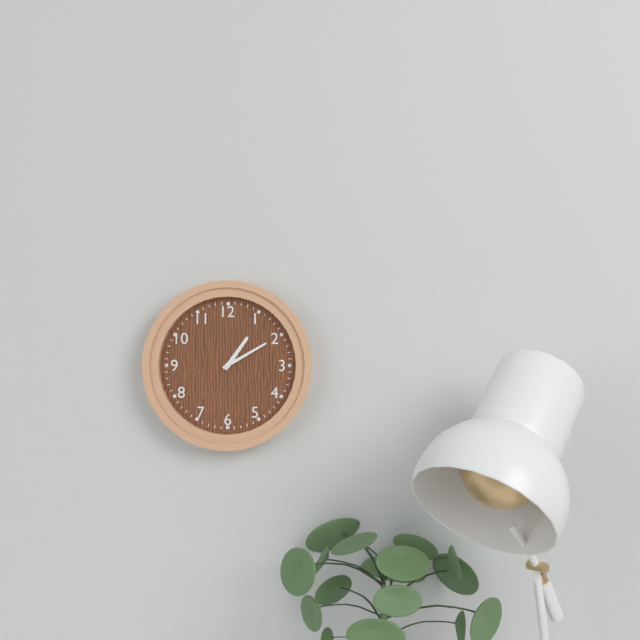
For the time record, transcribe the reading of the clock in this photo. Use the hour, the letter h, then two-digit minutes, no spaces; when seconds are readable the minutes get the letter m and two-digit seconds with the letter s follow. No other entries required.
1h10
